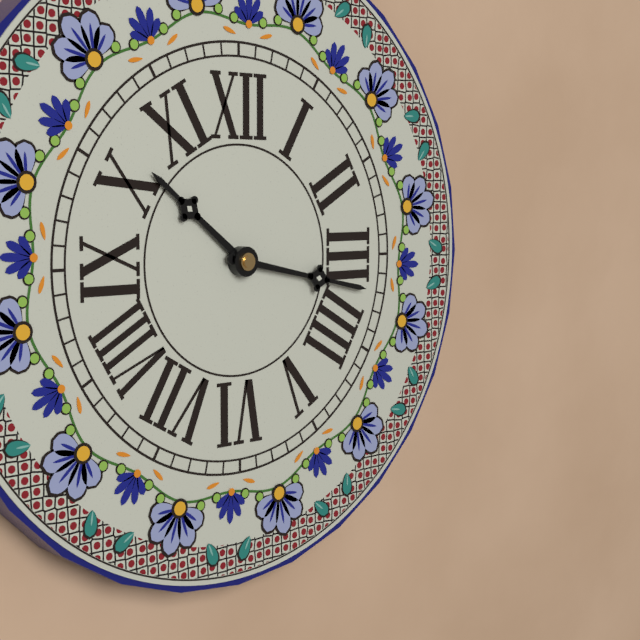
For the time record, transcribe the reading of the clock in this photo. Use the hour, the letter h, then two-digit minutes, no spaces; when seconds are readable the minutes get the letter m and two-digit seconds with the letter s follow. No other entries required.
10h17
